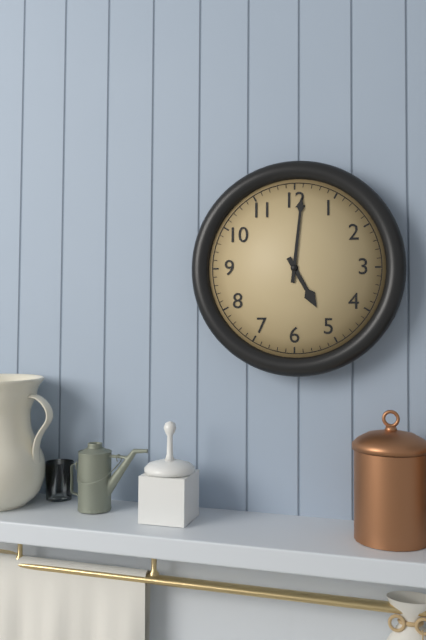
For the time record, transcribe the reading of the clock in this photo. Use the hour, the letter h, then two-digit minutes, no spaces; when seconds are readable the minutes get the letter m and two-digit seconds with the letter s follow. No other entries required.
5h01
